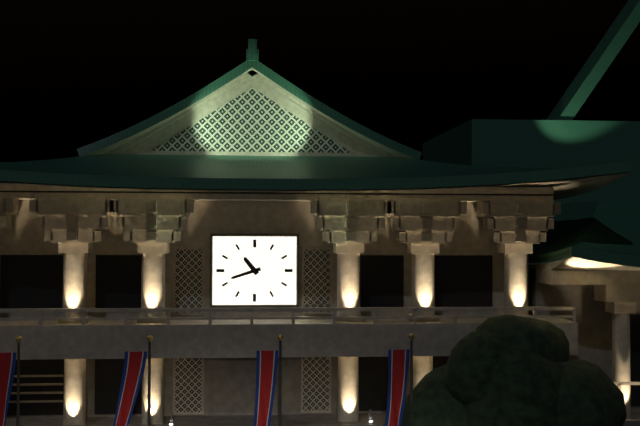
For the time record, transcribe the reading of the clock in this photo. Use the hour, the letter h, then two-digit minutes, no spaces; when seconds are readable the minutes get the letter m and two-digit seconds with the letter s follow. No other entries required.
10h42
